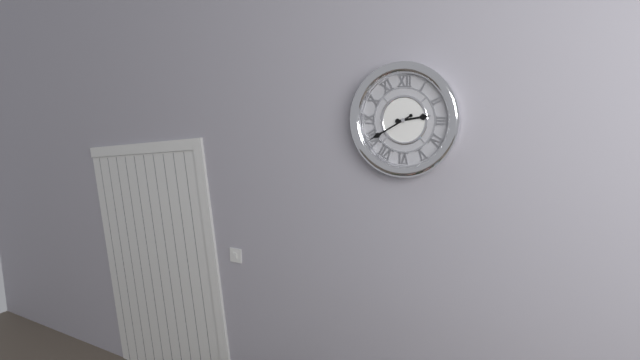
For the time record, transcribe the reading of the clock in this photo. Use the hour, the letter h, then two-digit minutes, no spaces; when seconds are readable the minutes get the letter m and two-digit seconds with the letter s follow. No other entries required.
2h40
